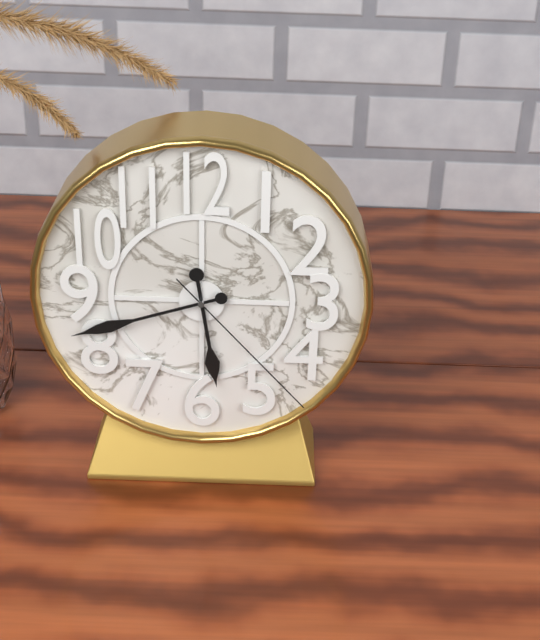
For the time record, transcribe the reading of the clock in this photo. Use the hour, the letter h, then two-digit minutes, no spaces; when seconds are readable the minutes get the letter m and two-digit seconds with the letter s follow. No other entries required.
5h42m23s
